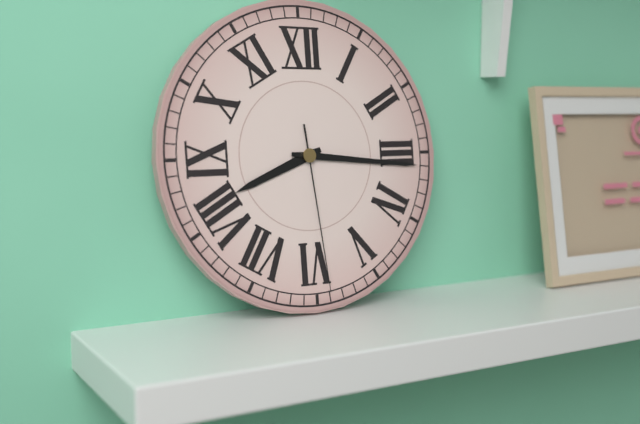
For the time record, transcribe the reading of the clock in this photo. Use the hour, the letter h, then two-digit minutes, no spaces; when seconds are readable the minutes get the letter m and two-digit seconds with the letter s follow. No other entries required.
8h16m29s
